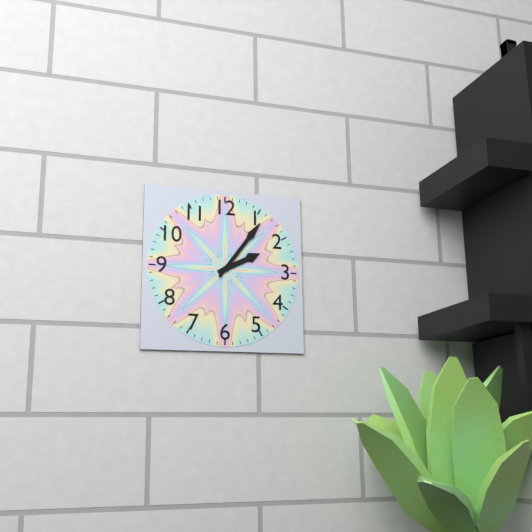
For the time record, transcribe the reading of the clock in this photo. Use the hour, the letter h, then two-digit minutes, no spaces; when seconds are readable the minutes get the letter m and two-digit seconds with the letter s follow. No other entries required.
2h06
